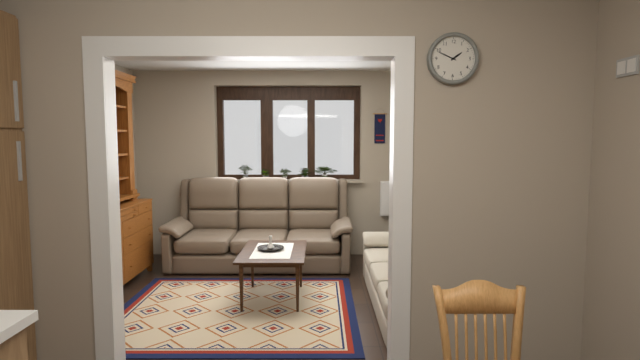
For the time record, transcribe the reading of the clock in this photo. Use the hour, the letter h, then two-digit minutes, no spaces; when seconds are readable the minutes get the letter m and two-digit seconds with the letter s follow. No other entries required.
1h49
